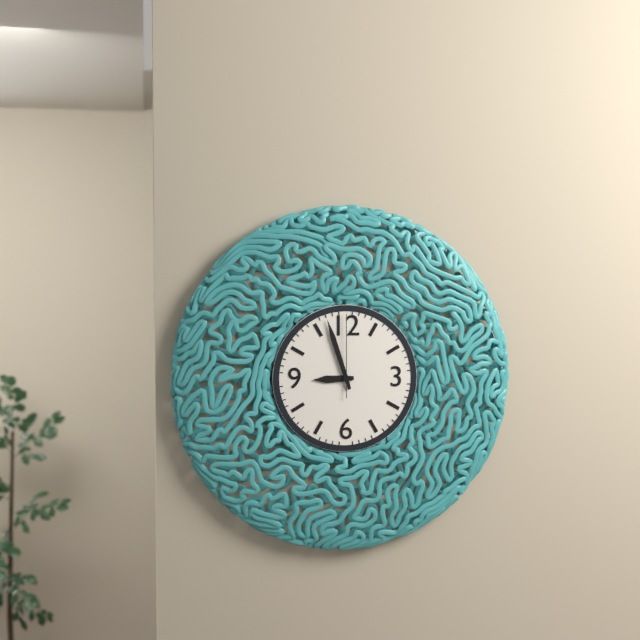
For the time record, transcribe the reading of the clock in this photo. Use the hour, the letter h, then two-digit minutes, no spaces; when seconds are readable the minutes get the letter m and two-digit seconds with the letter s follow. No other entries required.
8h57m00s
